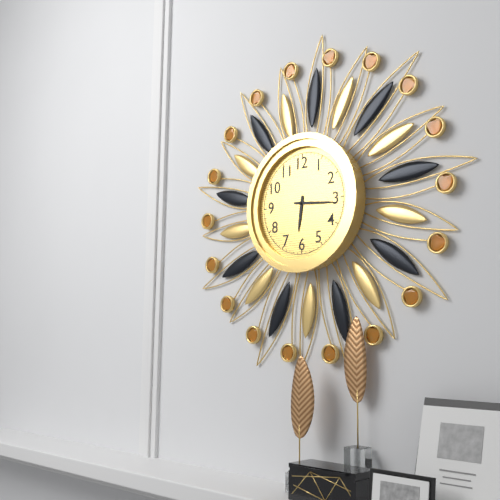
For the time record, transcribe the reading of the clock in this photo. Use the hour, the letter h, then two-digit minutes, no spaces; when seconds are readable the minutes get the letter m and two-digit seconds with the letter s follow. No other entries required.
6h16
